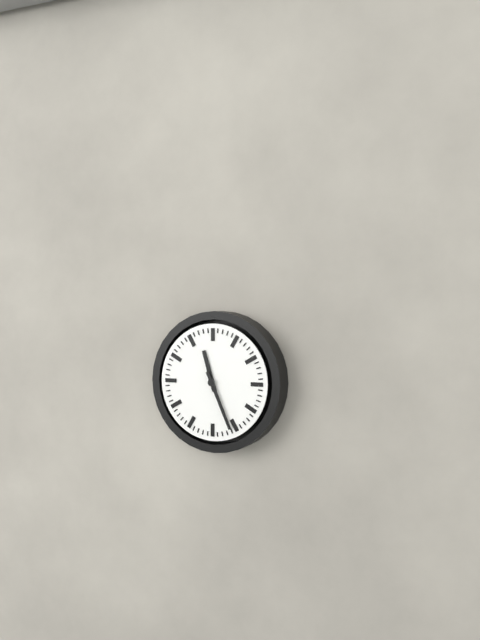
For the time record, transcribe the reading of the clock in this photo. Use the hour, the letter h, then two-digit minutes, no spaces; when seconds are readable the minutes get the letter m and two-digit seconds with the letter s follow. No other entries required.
11h26
